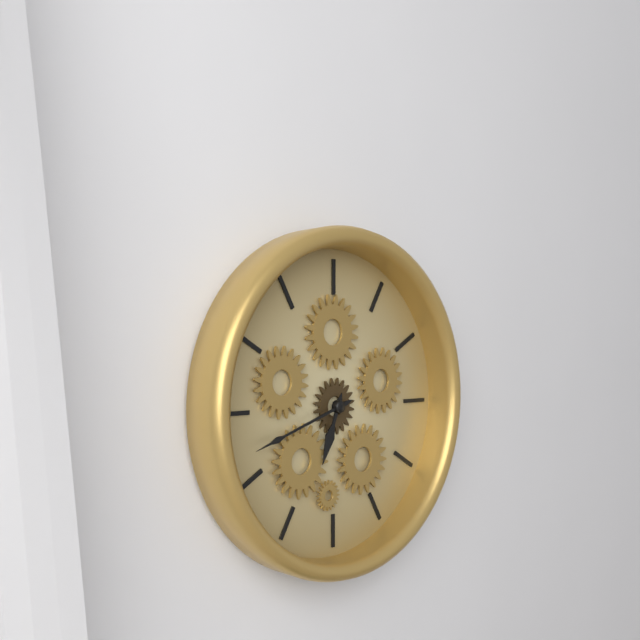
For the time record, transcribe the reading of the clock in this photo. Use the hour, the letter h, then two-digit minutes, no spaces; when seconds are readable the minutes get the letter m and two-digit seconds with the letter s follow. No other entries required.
6h42
